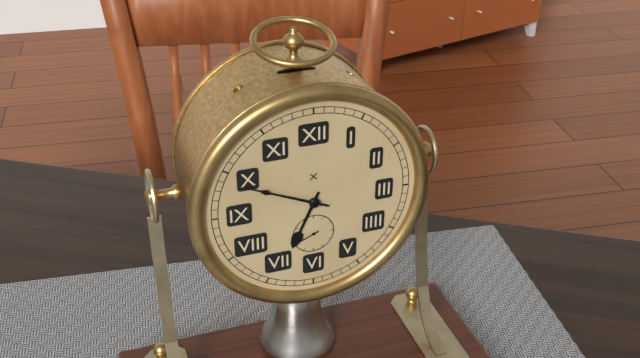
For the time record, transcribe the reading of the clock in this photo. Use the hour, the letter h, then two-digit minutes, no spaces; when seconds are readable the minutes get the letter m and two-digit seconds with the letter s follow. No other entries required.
6h49
